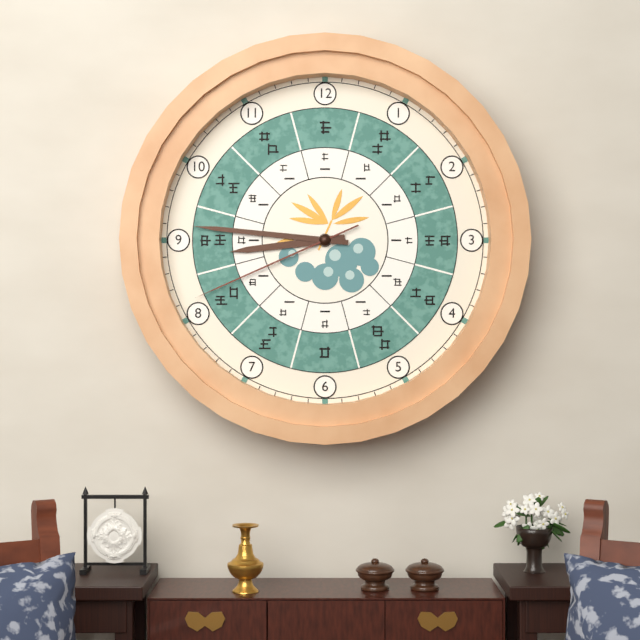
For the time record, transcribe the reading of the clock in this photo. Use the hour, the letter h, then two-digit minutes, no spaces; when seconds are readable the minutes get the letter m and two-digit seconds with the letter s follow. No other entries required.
8h46m41s
